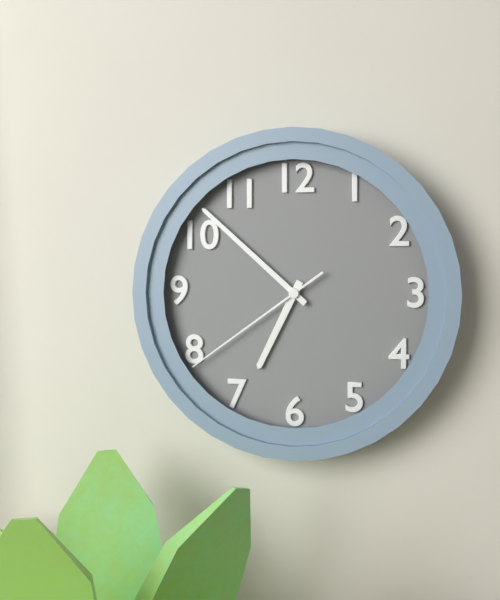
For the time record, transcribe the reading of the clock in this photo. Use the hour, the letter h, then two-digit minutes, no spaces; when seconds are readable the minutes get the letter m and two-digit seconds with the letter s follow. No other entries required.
6h52m39s
